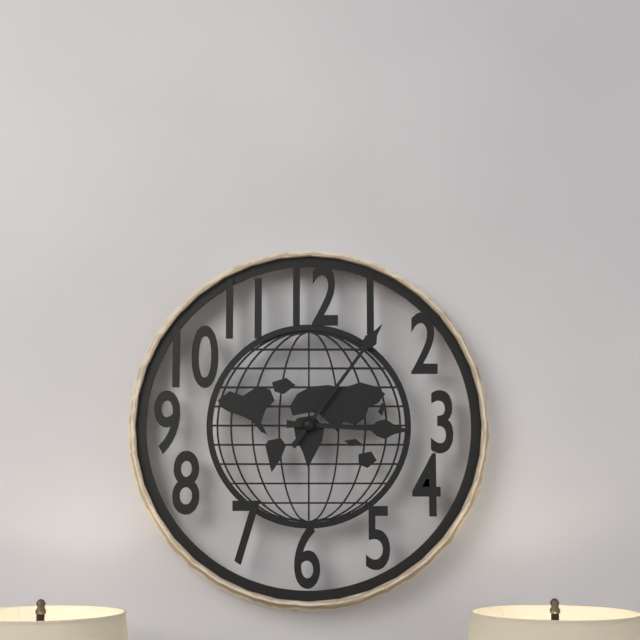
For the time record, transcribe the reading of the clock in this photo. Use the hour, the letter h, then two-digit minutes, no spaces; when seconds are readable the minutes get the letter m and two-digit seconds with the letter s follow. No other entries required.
3h06
